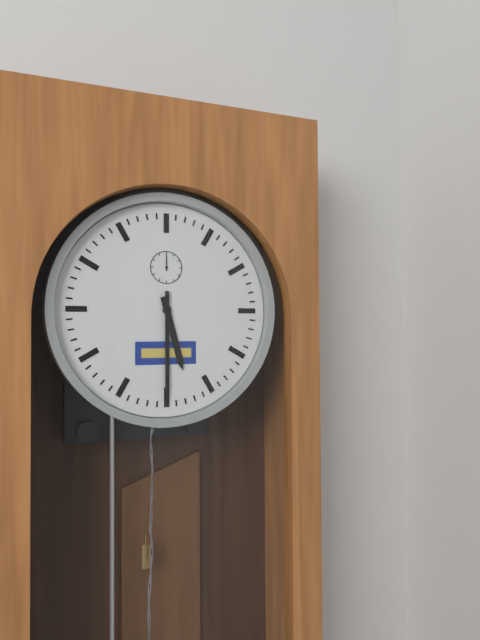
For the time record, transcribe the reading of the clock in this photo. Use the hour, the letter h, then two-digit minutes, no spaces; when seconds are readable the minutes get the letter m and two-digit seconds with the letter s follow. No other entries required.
5h30
